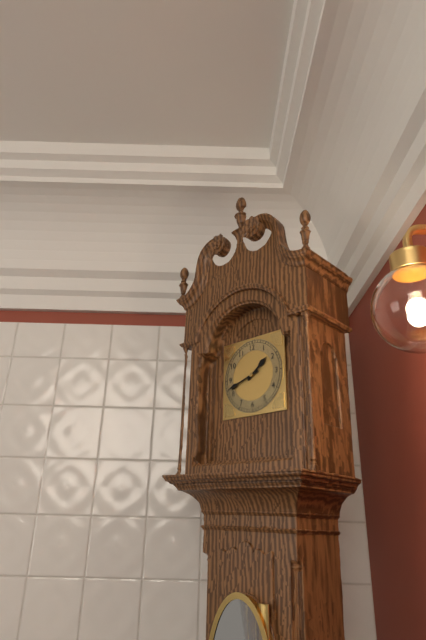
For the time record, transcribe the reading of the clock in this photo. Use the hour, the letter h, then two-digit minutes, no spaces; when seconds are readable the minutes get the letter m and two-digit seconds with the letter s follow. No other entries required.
1h42
